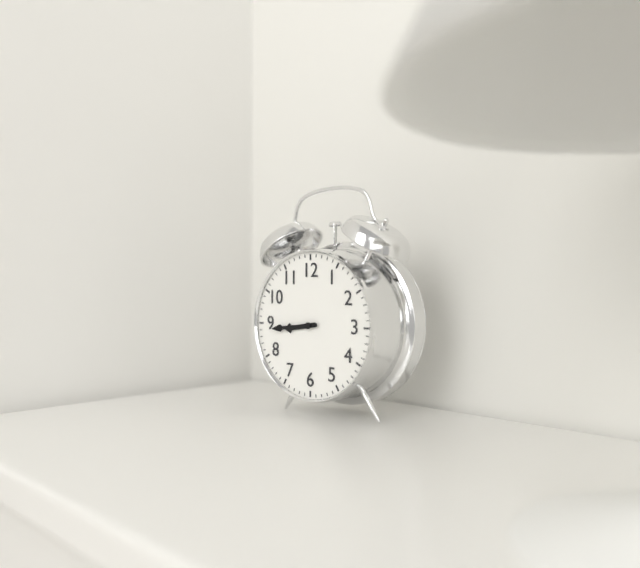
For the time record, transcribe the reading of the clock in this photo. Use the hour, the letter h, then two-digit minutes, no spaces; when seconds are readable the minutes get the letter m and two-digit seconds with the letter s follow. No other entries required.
8h44
